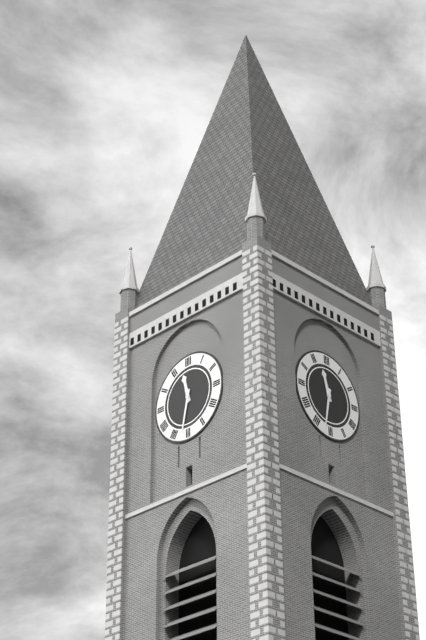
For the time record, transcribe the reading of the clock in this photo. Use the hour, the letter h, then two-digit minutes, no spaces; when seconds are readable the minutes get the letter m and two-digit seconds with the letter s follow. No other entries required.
11h32
